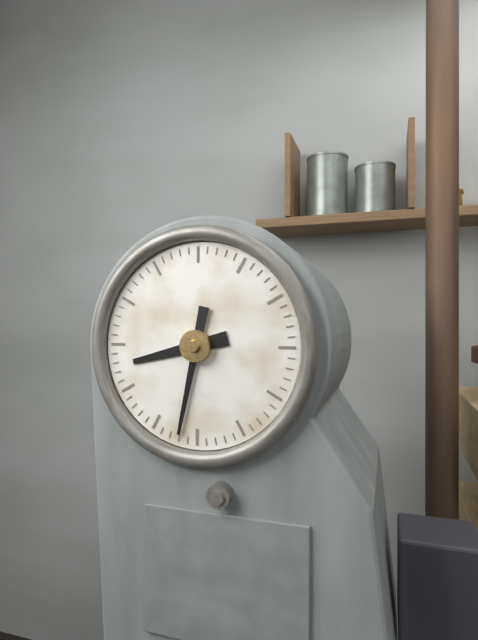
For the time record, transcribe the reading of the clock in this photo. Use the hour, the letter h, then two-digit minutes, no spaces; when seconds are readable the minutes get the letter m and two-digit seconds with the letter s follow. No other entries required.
8h32
